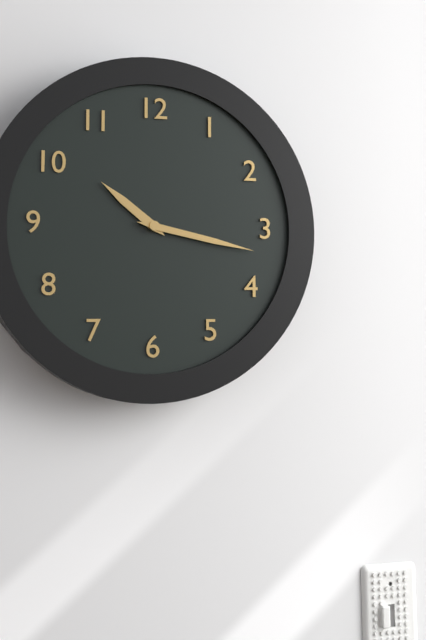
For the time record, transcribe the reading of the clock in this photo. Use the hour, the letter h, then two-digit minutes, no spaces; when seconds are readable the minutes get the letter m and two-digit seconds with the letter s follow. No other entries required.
10h17
